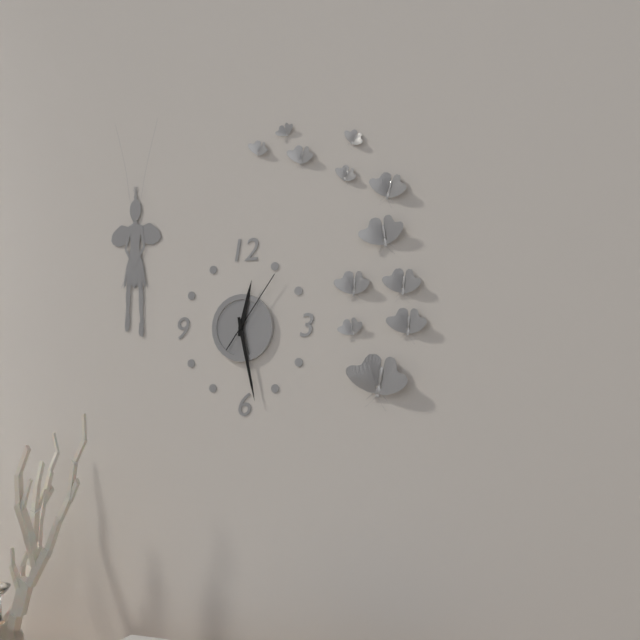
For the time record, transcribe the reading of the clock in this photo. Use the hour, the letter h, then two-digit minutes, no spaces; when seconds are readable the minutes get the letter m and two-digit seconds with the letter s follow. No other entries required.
12h28m06s
